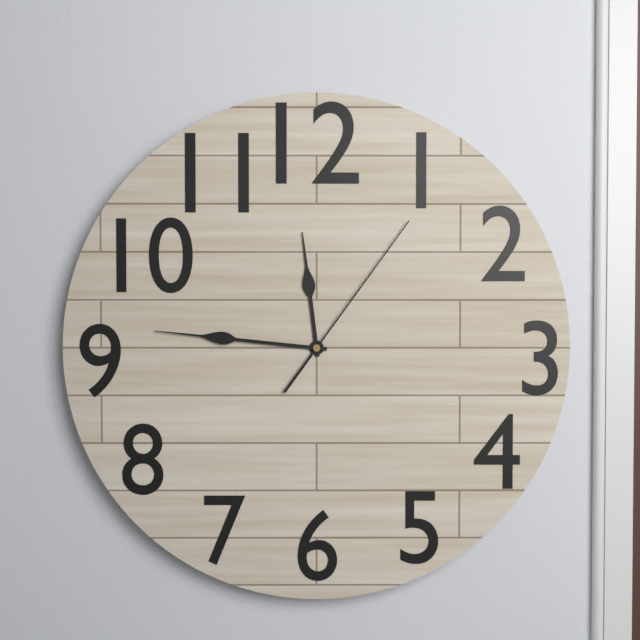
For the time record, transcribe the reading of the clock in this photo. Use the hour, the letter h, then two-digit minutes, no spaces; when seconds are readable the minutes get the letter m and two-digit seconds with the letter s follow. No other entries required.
11h46m06s
